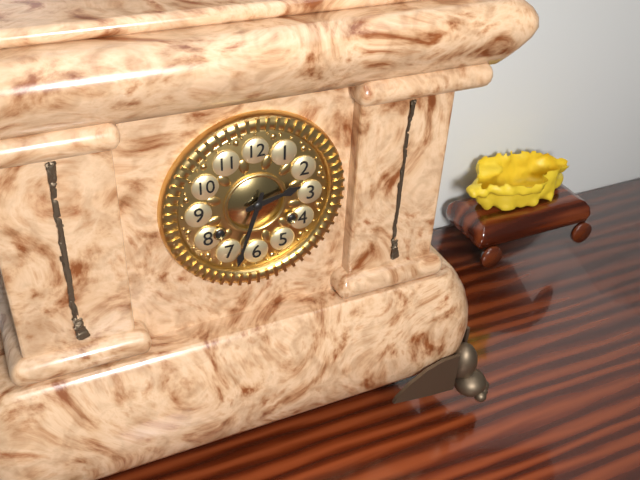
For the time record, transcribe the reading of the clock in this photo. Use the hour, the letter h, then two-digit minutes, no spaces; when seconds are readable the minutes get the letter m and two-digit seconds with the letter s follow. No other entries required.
2h33
